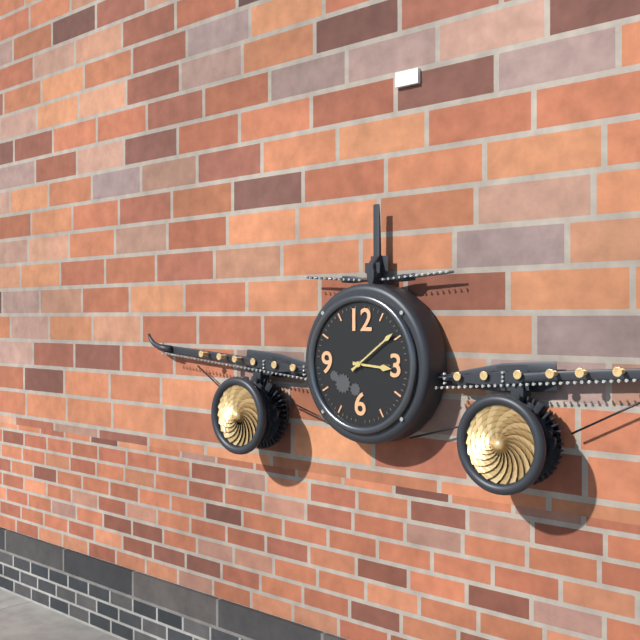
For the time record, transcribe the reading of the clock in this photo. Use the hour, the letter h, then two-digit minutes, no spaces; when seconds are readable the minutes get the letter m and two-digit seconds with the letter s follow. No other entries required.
3h09
